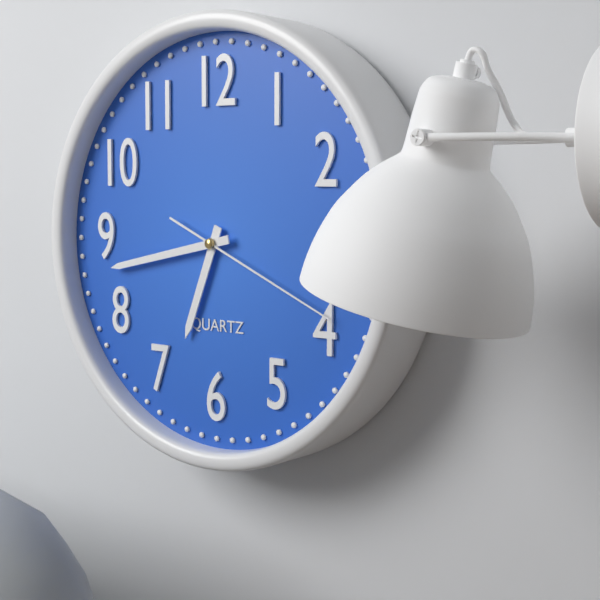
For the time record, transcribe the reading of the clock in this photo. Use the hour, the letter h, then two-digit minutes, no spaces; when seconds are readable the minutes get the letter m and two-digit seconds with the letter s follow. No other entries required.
6h43m19s
